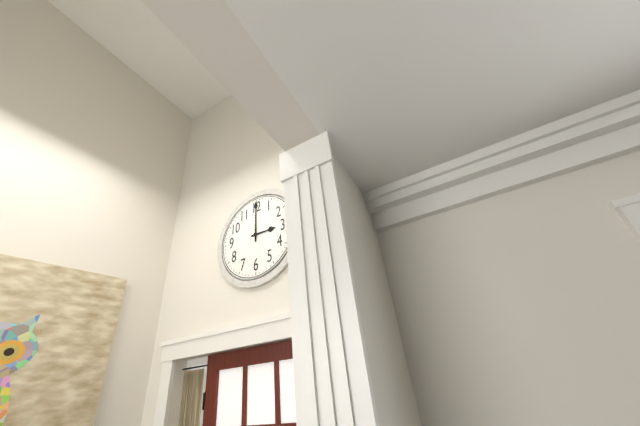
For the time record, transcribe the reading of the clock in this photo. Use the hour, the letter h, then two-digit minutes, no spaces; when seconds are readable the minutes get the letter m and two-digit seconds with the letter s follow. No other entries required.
3h00
